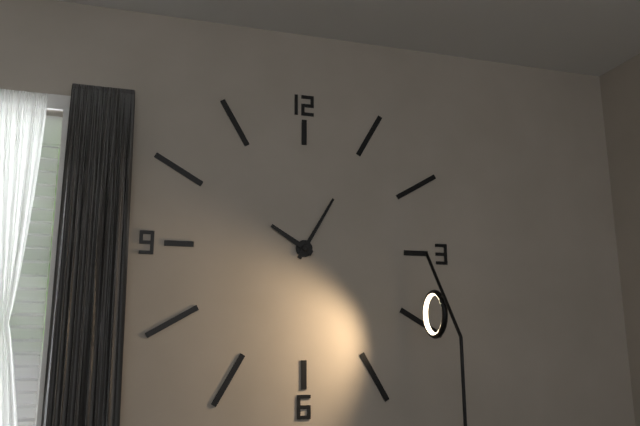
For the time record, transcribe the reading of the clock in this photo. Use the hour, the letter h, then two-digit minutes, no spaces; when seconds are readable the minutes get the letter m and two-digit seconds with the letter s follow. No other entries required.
10h05
